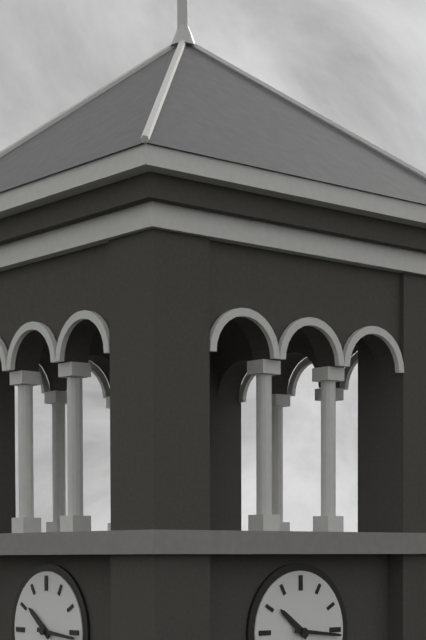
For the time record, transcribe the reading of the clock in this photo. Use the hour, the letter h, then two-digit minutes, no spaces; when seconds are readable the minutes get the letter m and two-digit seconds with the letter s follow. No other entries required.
10h16
